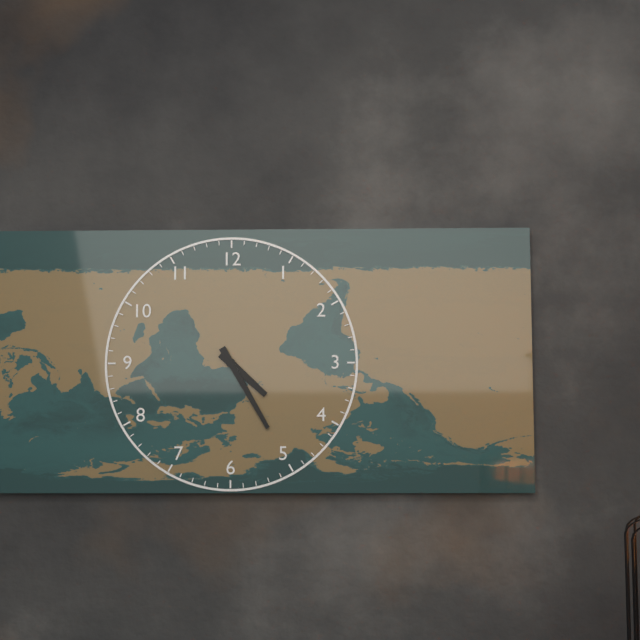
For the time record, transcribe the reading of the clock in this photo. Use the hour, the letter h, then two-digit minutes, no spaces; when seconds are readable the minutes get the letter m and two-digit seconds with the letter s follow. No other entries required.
4h25
